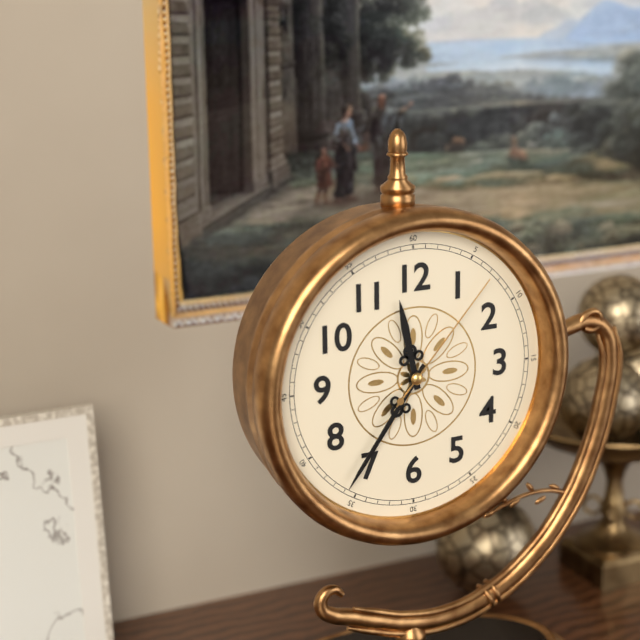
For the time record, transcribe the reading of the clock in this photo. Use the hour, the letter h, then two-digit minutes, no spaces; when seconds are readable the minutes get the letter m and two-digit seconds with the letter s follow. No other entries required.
11h36m07s
